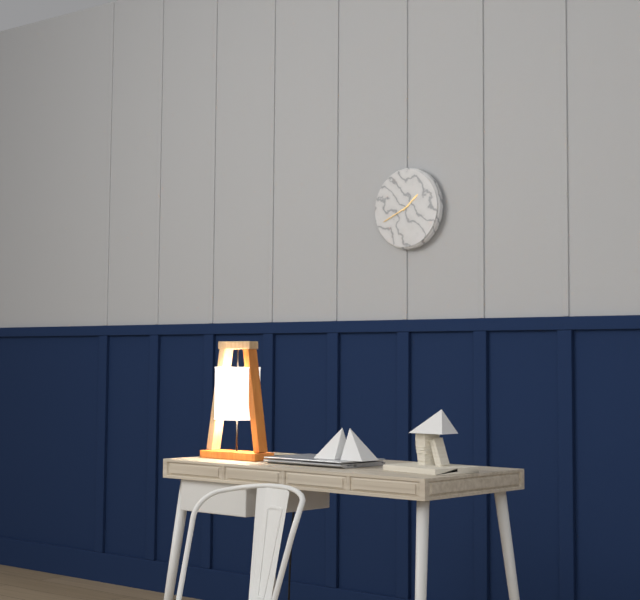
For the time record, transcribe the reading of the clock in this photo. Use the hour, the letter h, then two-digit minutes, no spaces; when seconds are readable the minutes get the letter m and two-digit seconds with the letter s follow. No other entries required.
1h41
